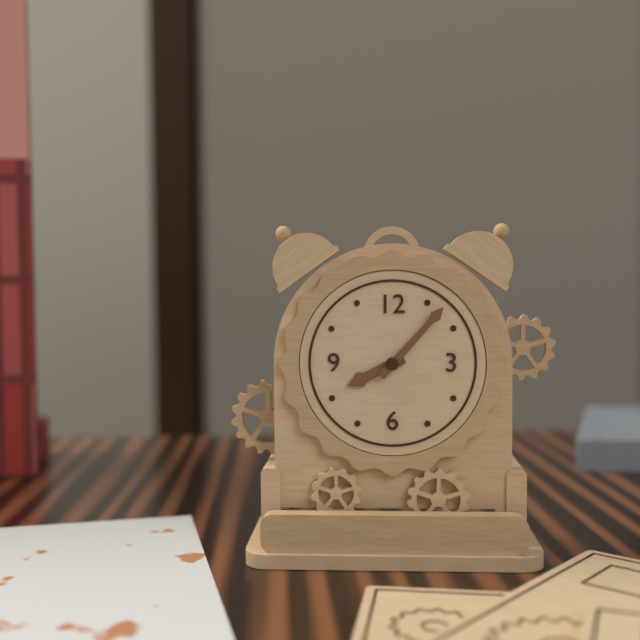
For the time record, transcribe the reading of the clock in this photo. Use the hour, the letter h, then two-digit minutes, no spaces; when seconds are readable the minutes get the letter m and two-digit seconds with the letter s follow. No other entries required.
8h07
